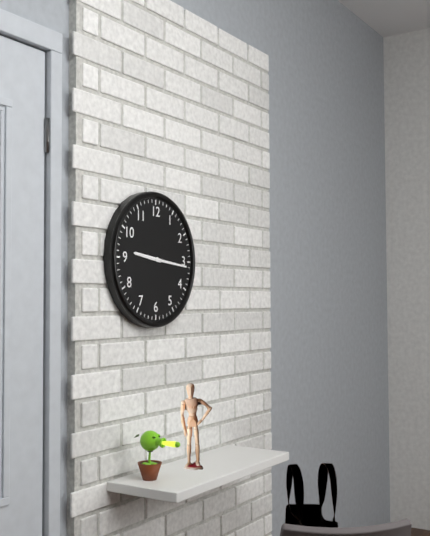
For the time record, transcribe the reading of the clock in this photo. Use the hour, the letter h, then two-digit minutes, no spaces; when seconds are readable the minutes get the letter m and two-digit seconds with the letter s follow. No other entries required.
9h16
